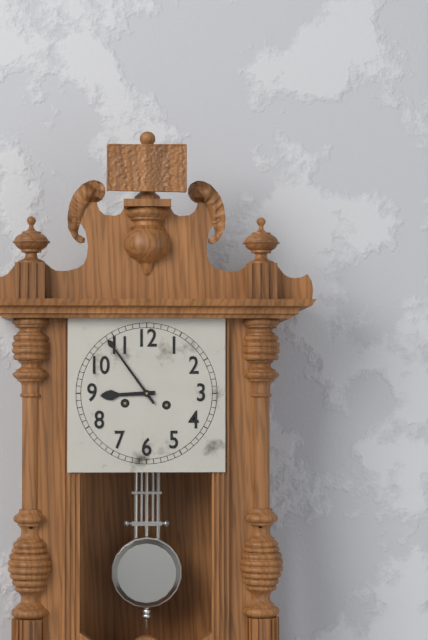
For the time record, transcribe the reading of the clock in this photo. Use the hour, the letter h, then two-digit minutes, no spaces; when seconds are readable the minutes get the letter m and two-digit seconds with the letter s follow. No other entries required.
8h54
